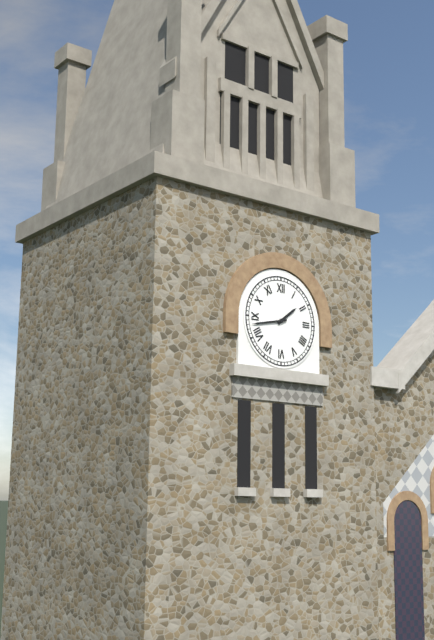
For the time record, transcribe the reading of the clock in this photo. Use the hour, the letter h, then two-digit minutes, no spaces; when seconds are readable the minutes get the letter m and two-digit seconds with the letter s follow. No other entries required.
1h43
